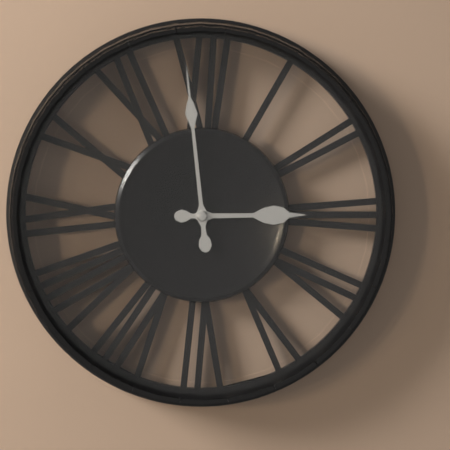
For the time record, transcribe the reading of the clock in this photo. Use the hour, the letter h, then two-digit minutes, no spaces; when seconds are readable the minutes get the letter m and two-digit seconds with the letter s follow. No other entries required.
2h59
